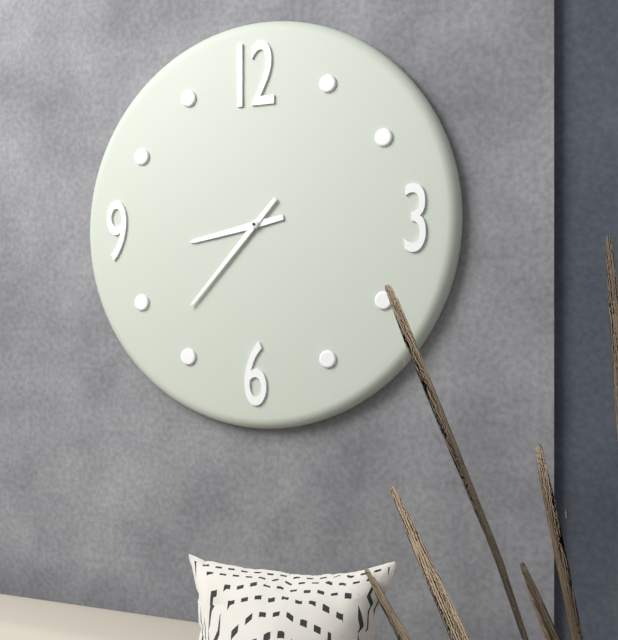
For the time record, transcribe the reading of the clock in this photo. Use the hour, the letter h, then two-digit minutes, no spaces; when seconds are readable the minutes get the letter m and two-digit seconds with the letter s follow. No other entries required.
8h37
